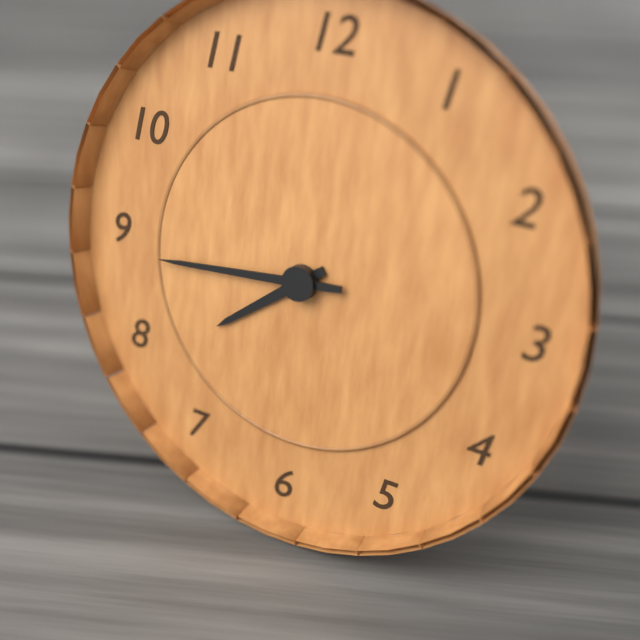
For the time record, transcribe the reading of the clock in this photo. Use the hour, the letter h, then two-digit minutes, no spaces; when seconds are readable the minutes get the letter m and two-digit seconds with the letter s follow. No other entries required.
7h44
